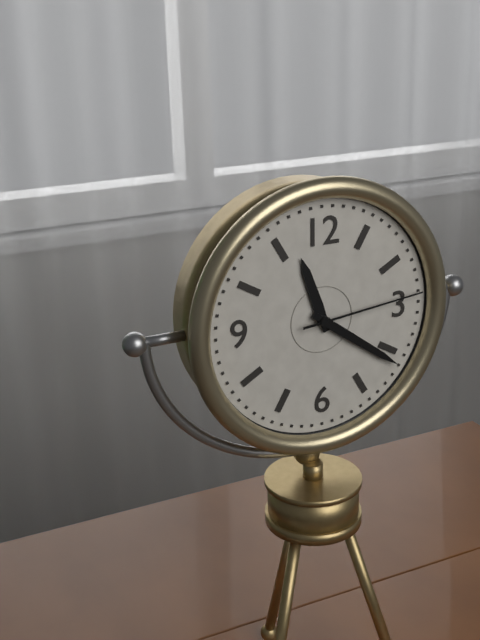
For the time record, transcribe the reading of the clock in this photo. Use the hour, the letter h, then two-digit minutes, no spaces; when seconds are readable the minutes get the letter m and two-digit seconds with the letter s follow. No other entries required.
11h21m14s
